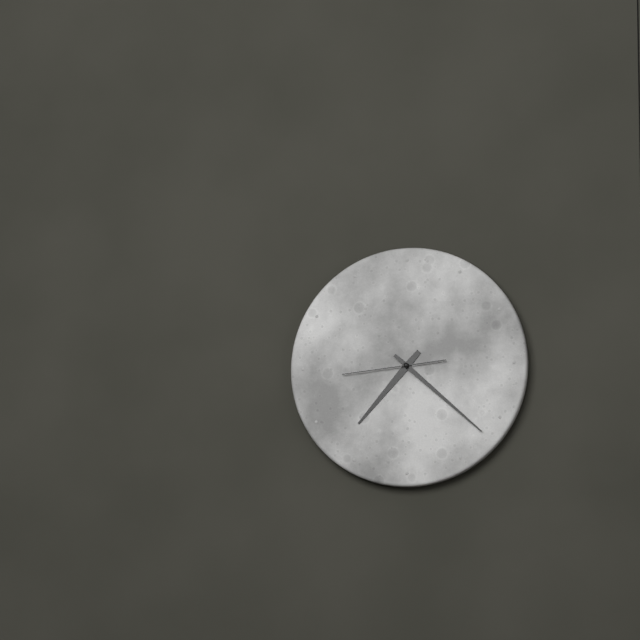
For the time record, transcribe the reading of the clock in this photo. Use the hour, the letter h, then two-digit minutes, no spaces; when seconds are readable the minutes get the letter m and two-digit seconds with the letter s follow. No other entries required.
7h22m44s
